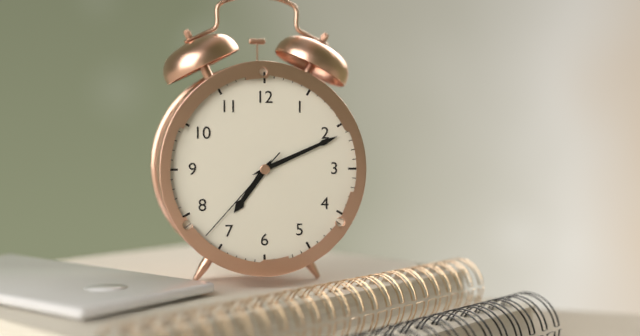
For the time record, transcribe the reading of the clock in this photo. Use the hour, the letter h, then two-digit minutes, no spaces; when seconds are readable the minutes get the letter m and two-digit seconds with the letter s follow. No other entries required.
7h11m37s
